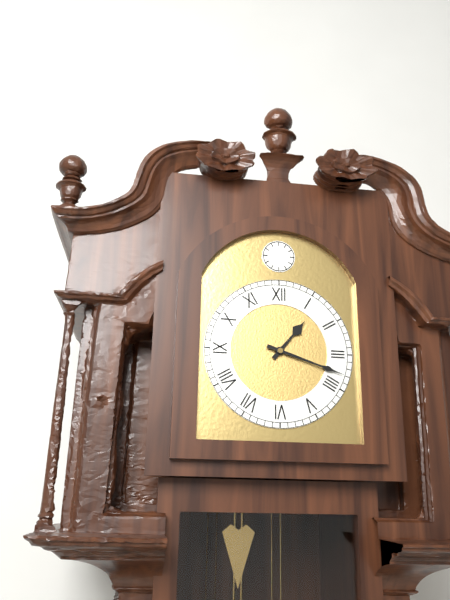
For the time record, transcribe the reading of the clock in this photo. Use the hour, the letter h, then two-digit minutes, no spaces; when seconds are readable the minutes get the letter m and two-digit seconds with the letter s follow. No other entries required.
1h18
